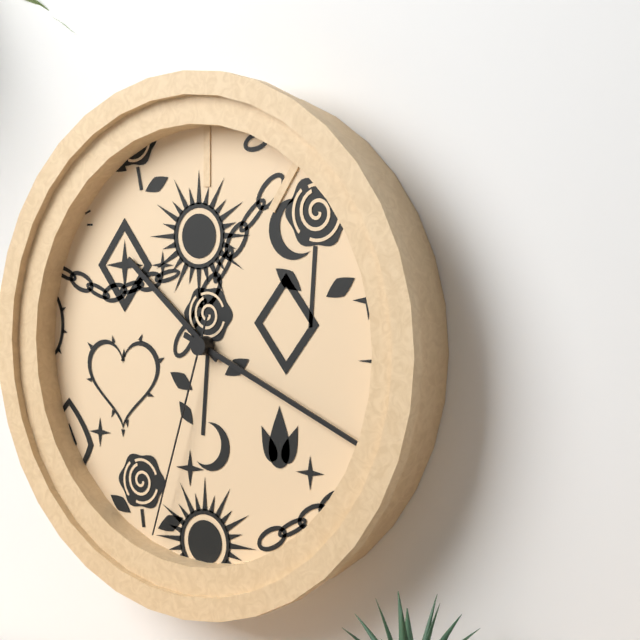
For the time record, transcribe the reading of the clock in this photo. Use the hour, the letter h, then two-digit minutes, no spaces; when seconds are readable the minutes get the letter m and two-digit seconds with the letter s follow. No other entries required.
10h19m33s
